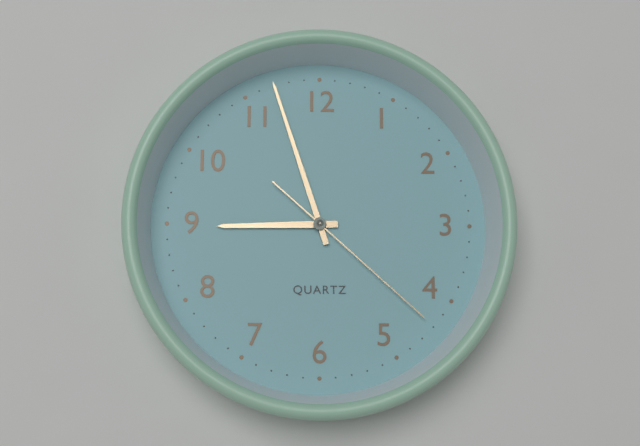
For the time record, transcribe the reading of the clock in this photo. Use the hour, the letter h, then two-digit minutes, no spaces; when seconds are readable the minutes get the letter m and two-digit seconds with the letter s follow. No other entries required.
8h57m22s
